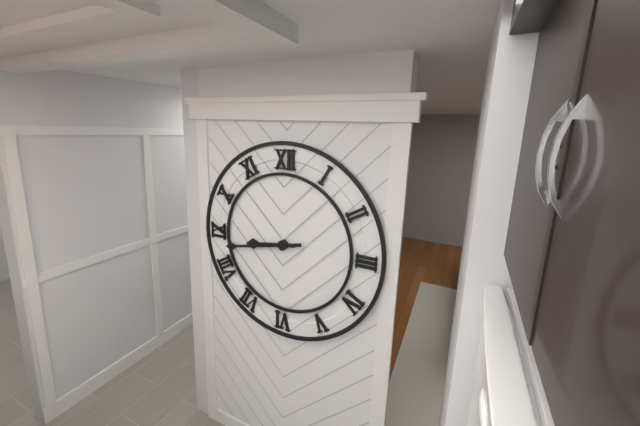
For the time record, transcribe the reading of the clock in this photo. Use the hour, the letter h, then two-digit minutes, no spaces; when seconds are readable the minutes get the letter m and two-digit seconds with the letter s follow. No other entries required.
8h43
